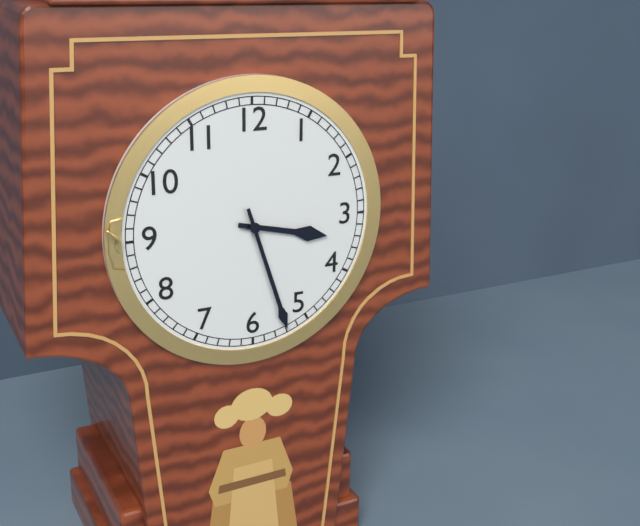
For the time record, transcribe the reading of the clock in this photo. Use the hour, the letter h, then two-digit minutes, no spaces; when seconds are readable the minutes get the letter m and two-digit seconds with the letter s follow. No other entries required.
3h27
